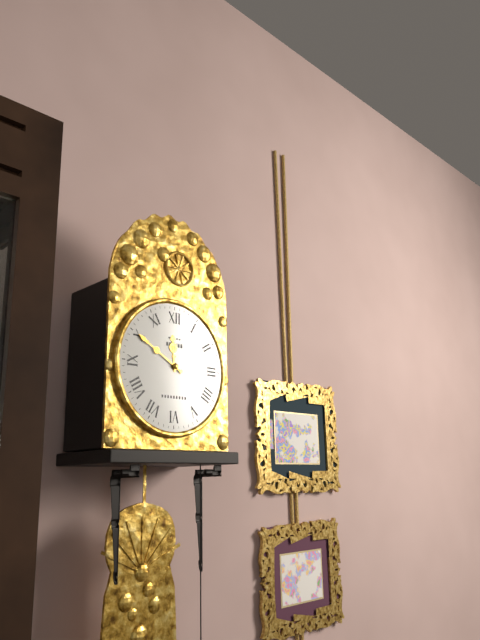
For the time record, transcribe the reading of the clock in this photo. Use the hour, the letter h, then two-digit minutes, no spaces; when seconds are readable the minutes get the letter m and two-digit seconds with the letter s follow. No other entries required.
11h50
